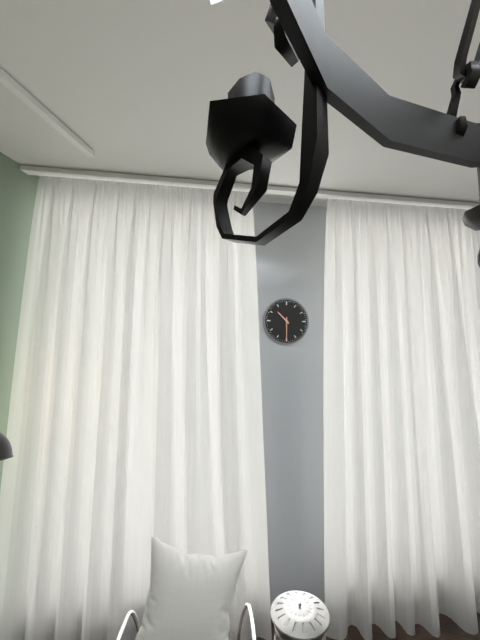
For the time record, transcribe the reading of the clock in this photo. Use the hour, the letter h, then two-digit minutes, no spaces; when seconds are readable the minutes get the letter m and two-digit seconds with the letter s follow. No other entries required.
10h30
